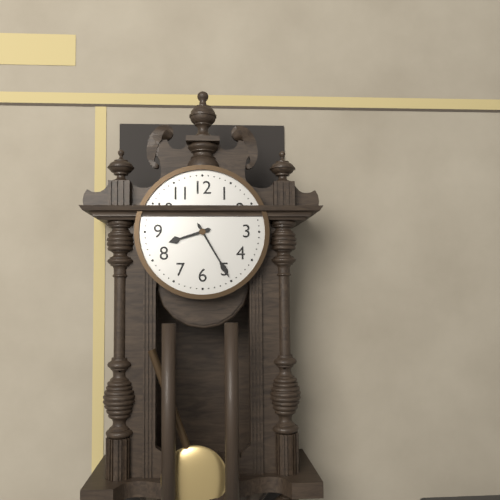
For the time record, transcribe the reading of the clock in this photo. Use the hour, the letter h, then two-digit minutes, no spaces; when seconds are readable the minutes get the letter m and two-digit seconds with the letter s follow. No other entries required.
8h25
